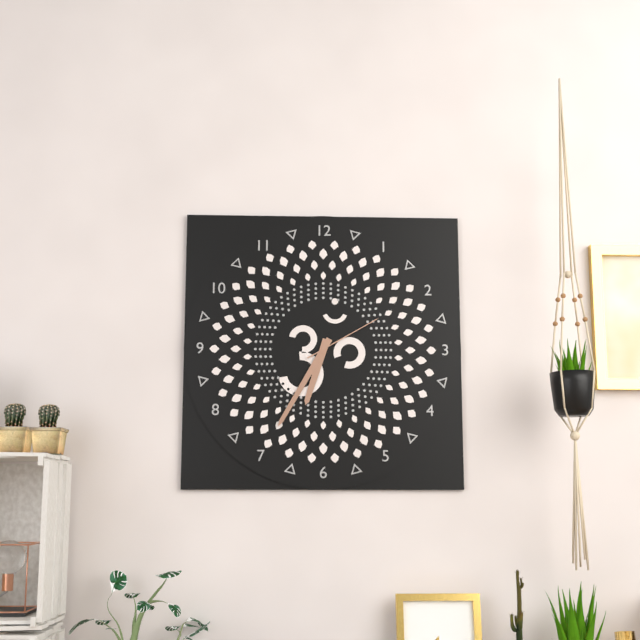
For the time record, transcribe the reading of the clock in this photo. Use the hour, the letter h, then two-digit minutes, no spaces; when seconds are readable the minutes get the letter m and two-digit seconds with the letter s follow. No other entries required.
6h35m10s
